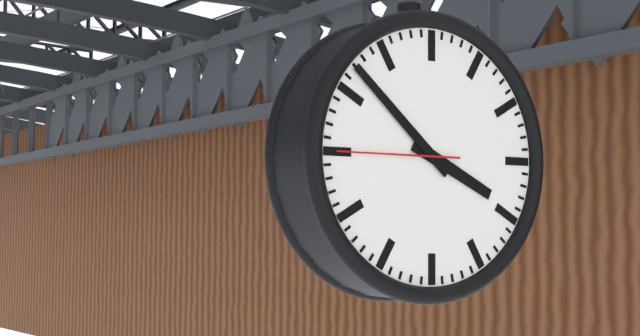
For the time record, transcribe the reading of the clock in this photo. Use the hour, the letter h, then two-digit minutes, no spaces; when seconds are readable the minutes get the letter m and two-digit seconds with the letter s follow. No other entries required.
3h52m45s
